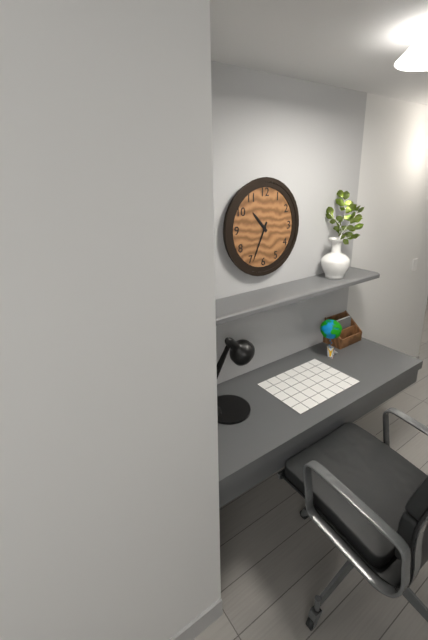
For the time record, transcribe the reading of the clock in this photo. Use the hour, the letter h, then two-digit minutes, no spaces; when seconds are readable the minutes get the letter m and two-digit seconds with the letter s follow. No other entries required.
10h34
